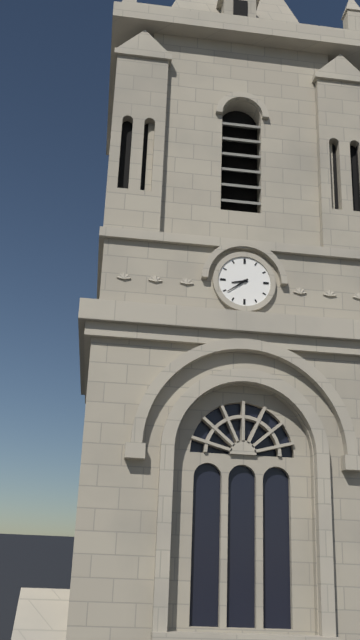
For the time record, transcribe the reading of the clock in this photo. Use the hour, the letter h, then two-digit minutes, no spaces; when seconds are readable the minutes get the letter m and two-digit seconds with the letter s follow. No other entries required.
8h39
